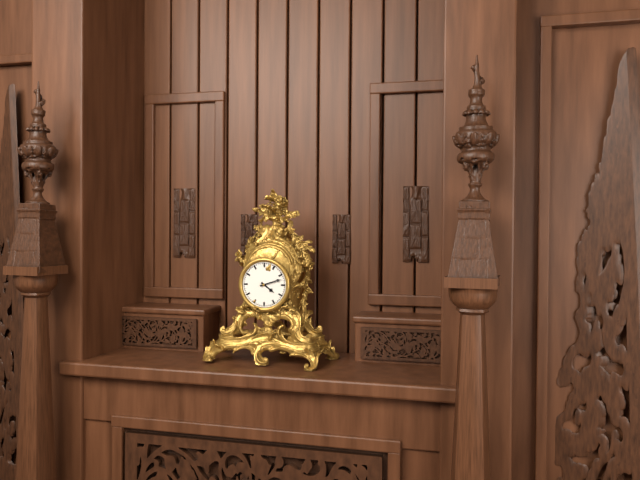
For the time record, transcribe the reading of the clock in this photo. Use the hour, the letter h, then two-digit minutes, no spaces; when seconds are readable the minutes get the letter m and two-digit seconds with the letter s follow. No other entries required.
4h12
